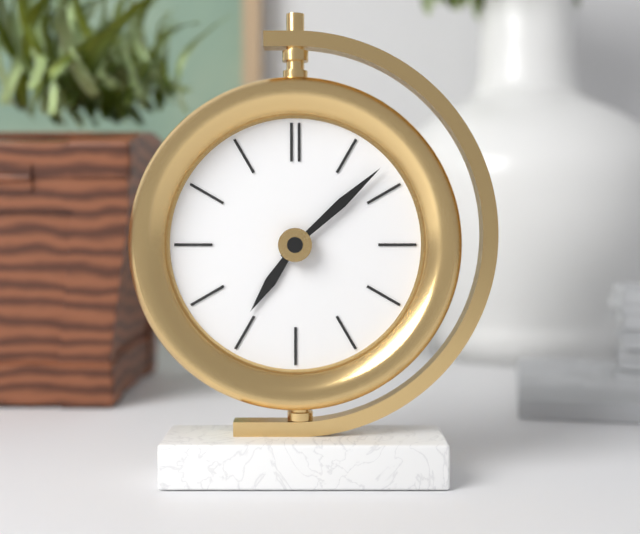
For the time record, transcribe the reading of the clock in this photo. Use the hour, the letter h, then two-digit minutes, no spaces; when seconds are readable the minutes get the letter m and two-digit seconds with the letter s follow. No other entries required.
7h08
